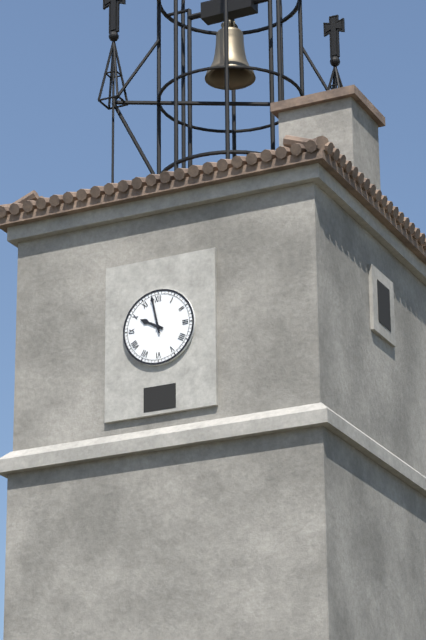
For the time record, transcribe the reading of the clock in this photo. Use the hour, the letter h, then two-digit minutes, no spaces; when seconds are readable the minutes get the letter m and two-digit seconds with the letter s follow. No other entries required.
9h58
